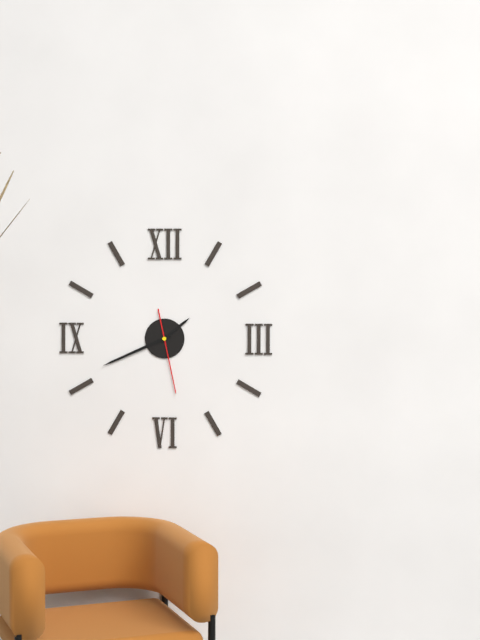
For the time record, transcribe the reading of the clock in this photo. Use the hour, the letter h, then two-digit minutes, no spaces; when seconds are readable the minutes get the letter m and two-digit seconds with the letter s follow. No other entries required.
1h41m28s
